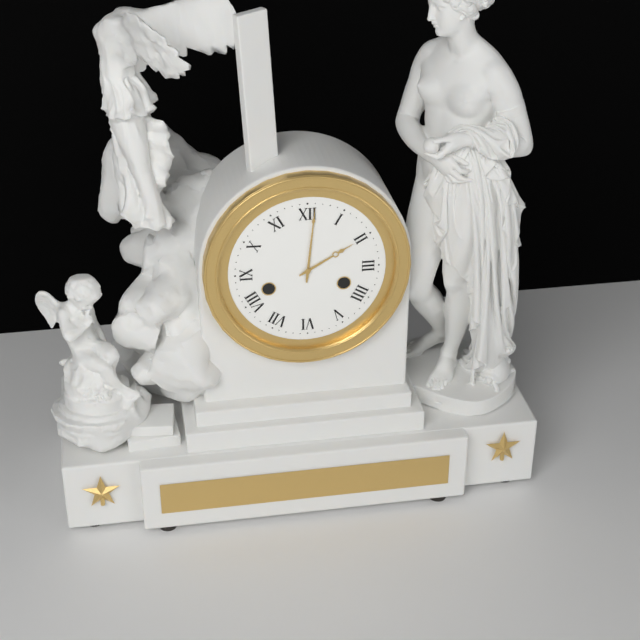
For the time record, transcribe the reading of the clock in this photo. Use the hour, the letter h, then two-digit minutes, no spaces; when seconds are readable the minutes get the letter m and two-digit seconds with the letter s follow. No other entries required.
2h01
